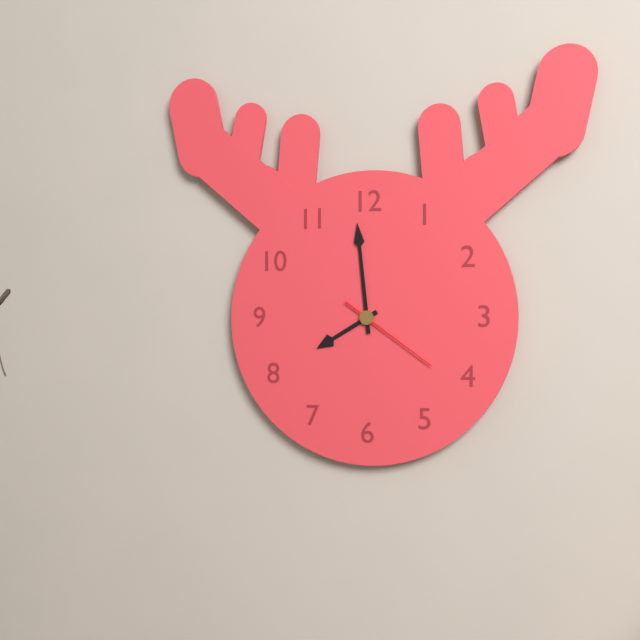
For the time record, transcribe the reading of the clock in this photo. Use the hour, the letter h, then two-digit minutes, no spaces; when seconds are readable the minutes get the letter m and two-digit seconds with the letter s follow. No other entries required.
7h59m21s
